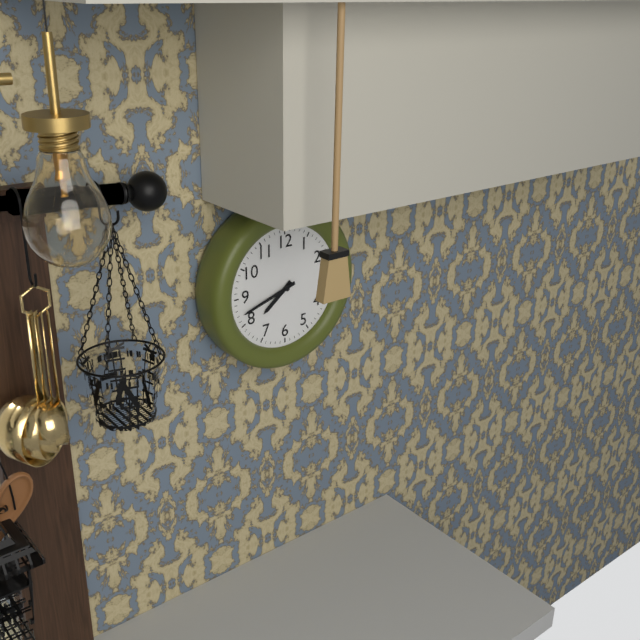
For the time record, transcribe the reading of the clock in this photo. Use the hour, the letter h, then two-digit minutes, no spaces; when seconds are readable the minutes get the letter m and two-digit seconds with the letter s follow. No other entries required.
7h42
